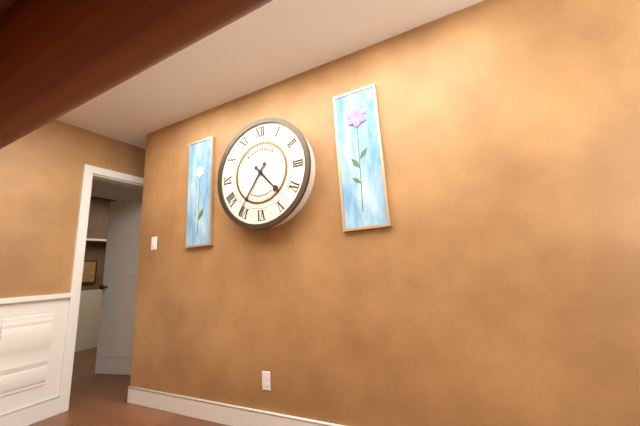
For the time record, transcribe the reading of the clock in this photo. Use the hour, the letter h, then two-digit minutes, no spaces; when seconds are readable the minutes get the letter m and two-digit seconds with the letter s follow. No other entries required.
4h36
